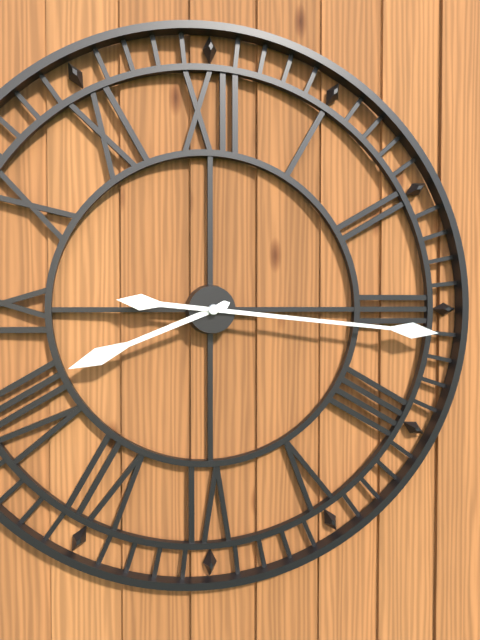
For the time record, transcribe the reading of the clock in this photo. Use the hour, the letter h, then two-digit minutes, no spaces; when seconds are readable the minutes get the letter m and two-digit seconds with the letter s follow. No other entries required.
8h16
